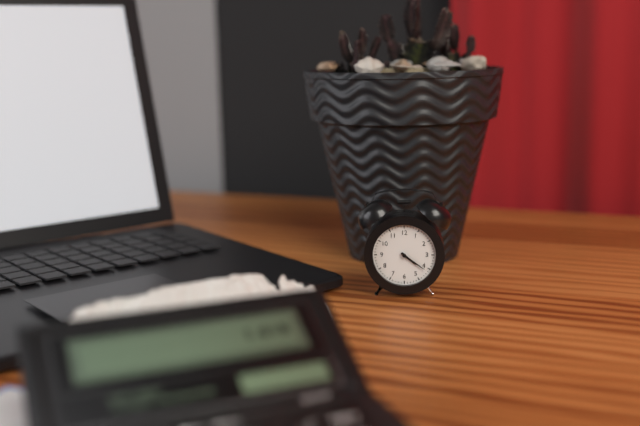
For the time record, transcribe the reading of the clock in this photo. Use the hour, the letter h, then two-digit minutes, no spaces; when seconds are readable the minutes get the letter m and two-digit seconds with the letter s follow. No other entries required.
4h21
